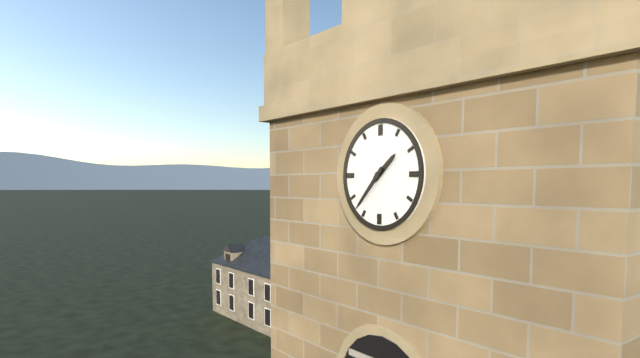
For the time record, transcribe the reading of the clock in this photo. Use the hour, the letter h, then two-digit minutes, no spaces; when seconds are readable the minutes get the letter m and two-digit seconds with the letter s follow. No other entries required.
1h37
